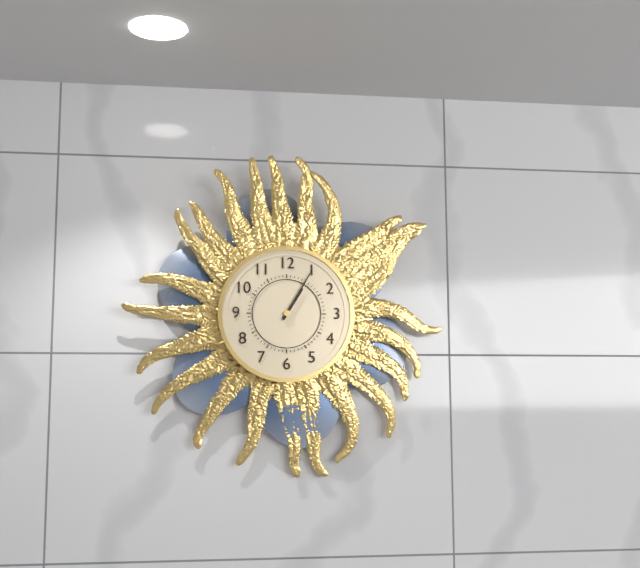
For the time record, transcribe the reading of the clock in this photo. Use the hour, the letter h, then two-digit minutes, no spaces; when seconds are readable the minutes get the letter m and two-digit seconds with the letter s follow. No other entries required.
1h05
